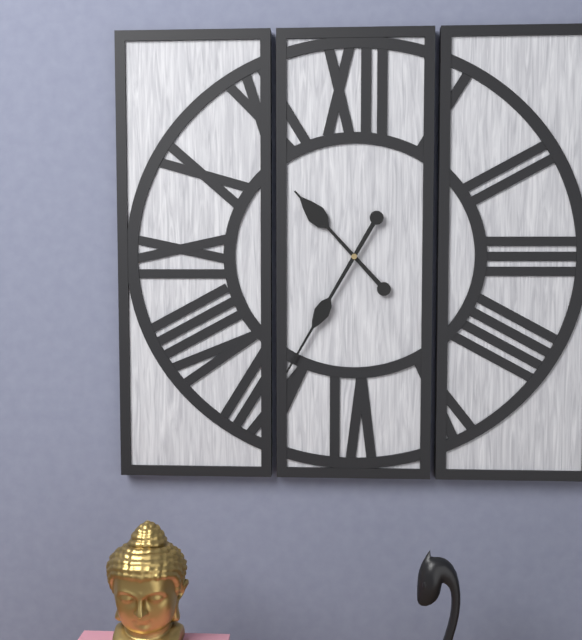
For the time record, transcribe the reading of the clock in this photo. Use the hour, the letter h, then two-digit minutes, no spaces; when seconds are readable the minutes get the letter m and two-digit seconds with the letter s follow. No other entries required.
10h35
